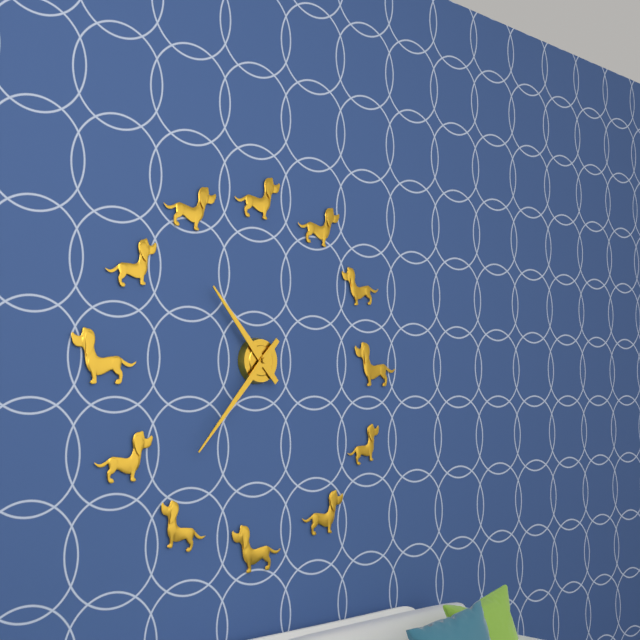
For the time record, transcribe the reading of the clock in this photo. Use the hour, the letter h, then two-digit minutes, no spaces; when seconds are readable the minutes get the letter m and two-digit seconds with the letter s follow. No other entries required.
10h37
